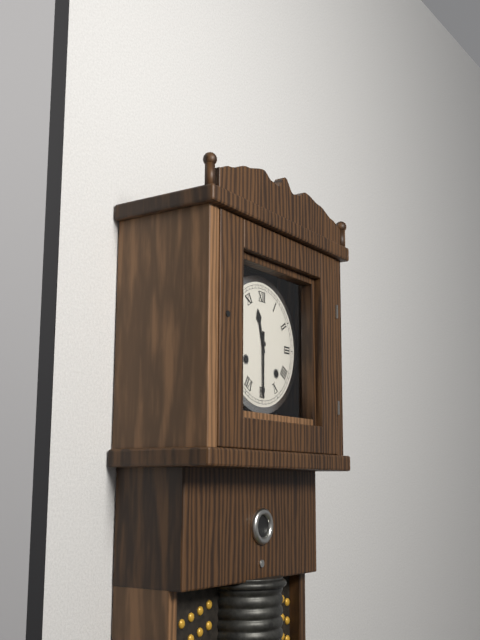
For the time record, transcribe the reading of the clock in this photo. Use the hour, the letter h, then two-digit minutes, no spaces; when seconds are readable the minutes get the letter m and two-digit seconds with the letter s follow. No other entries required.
11h30
